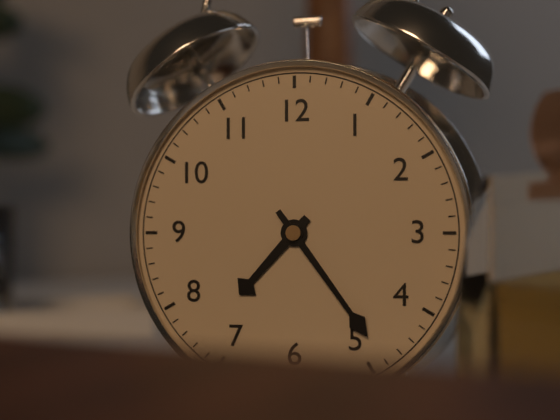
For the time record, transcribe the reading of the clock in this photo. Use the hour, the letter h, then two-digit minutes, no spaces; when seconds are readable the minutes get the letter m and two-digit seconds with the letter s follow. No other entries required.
7h24
